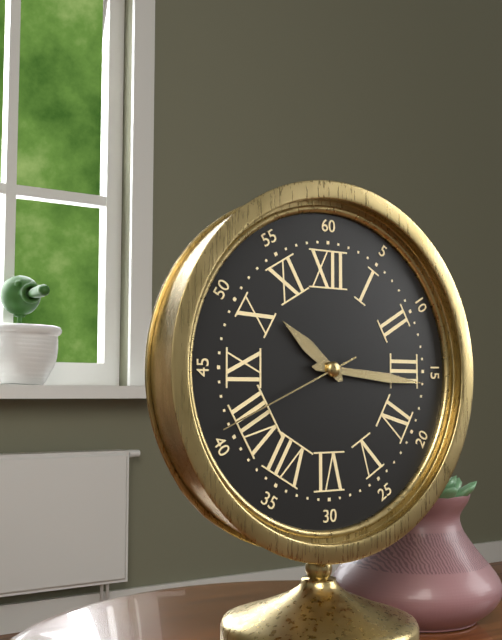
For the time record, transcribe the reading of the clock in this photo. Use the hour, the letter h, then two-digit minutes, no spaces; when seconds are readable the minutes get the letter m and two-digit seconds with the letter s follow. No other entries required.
10h16m41s
